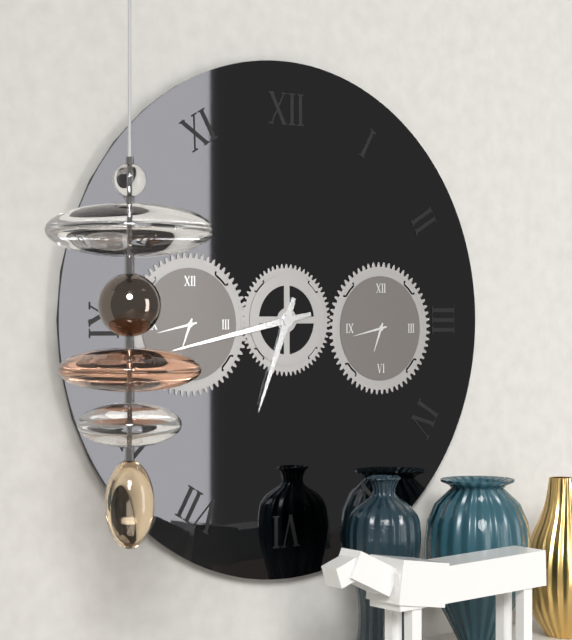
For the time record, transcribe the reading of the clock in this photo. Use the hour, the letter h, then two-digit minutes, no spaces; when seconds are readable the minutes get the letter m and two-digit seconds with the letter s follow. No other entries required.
6h43
